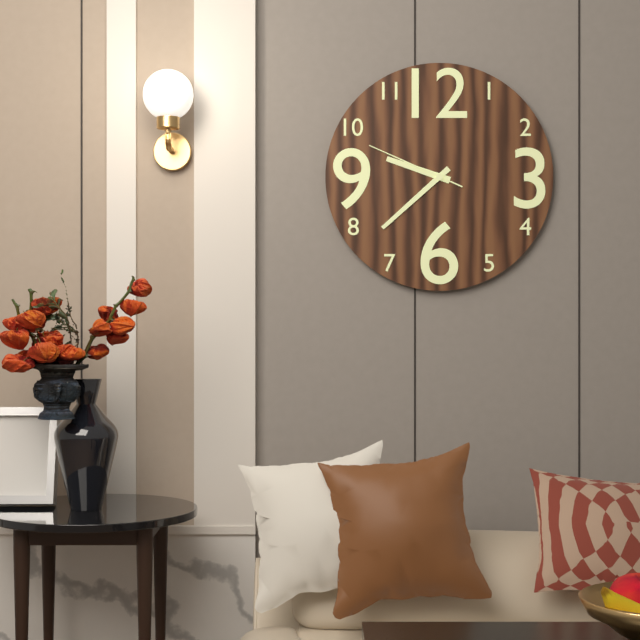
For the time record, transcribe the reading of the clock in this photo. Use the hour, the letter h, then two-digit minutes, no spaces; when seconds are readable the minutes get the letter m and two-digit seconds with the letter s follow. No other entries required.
9h38m49s
